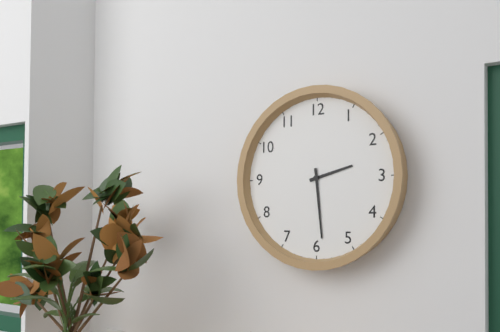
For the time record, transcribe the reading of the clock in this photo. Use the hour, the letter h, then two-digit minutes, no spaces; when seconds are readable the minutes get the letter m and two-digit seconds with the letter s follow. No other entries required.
2h29
